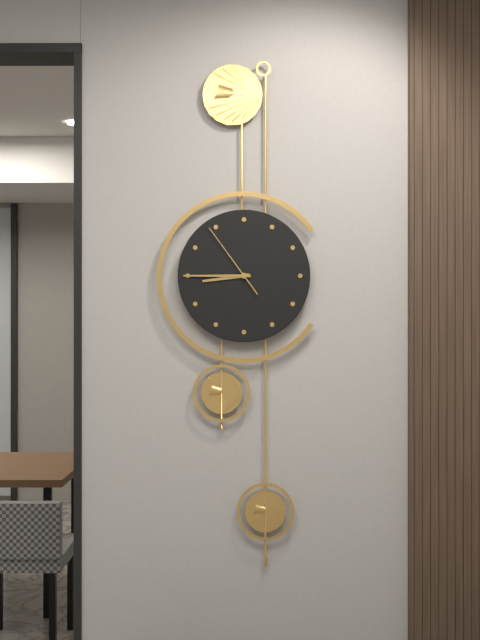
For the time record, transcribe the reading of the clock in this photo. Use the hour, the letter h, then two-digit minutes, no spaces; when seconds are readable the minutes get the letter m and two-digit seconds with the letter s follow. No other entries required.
8h45m54s
